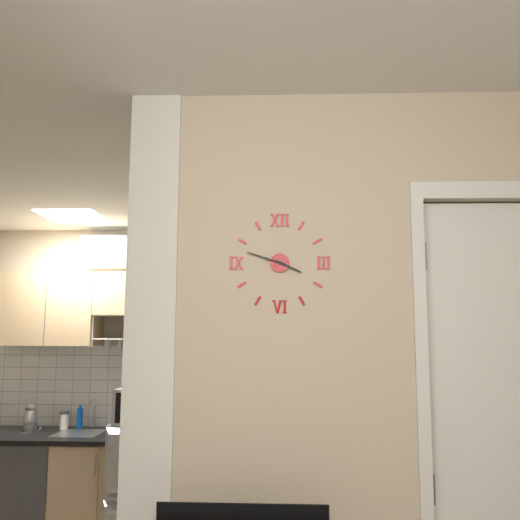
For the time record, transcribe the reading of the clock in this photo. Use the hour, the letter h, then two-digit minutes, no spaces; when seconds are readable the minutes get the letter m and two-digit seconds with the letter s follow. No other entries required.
3h48
